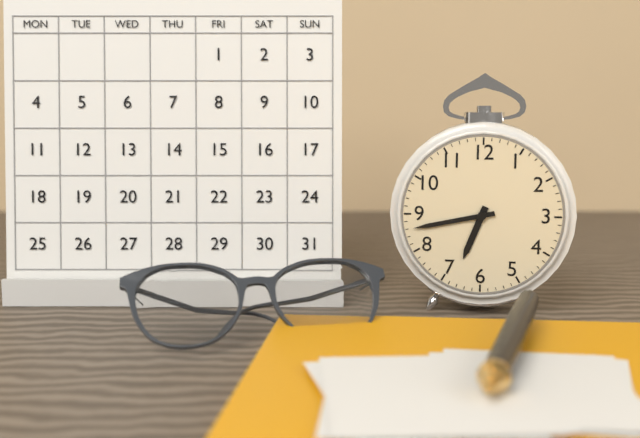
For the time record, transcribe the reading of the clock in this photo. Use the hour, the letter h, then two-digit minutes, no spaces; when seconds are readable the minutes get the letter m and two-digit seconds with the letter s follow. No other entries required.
6h43
